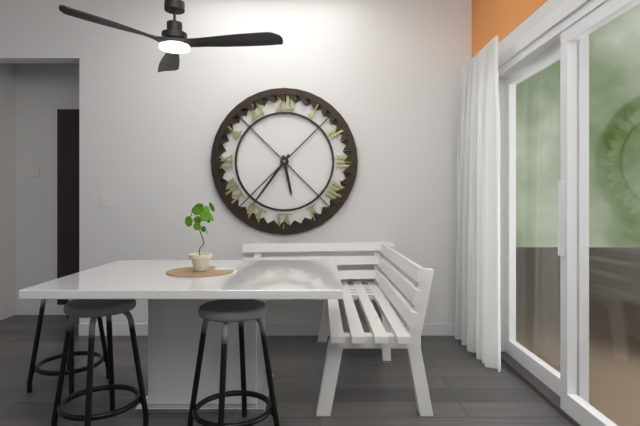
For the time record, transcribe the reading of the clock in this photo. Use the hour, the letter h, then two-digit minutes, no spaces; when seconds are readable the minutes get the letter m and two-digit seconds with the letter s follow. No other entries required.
5h36
